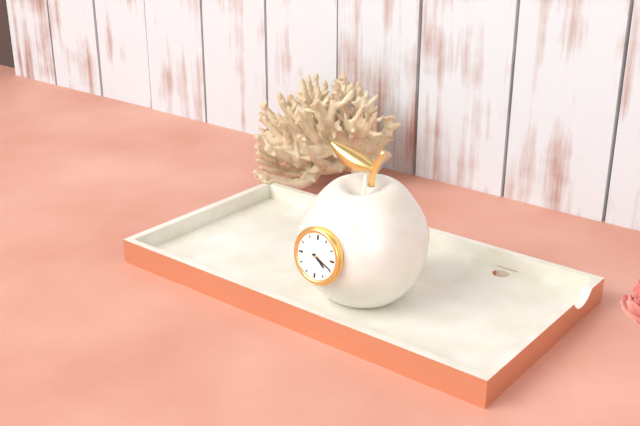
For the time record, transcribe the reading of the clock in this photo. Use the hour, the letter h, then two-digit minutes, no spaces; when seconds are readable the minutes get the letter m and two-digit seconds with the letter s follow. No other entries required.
4h19
